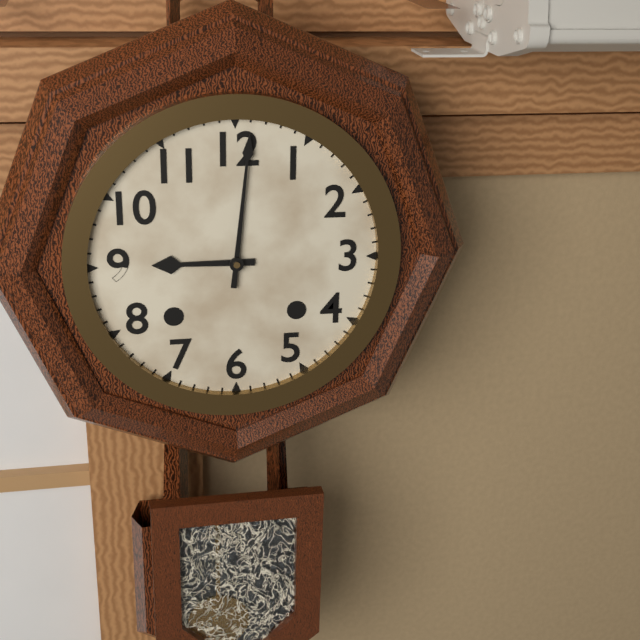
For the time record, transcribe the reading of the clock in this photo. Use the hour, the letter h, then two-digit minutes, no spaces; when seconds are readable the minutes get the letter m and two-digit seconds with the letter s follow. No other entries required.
9h01
